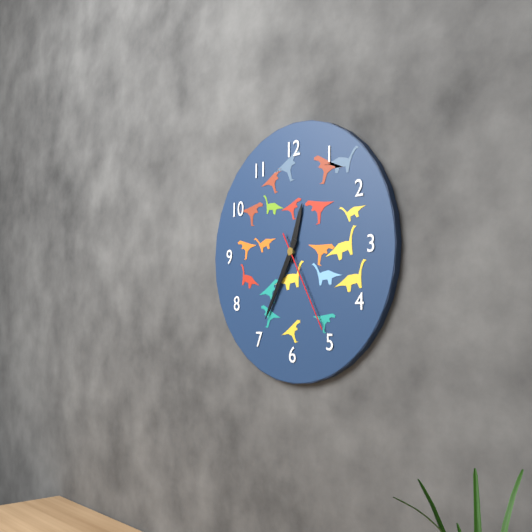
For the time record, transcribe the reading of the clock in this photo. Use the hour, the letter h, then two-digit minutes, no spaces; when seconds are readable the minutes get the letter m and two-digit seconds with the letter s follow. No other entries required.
12h35m25s
